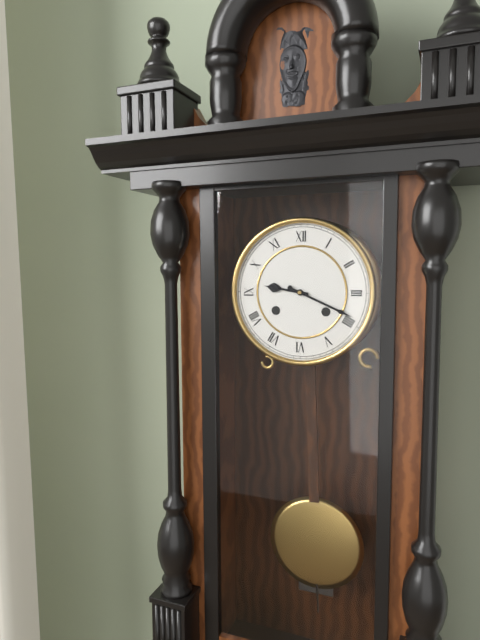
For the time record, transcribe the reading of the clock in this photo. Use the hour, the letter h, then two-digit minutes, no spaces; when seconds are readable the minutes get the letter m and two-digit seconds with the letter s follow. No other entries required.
9h19
